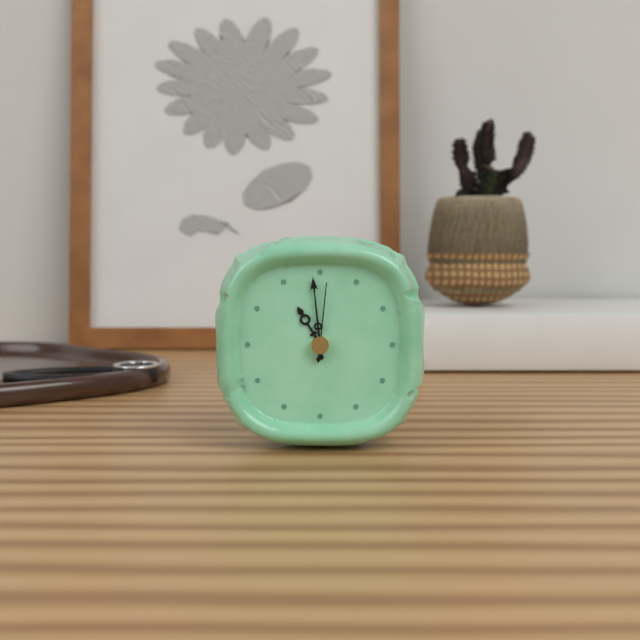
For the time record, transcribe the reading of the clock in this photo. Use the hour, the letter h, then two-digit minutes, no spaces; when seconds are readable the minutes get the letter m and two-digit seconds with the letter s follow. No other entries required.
10h59m01s
